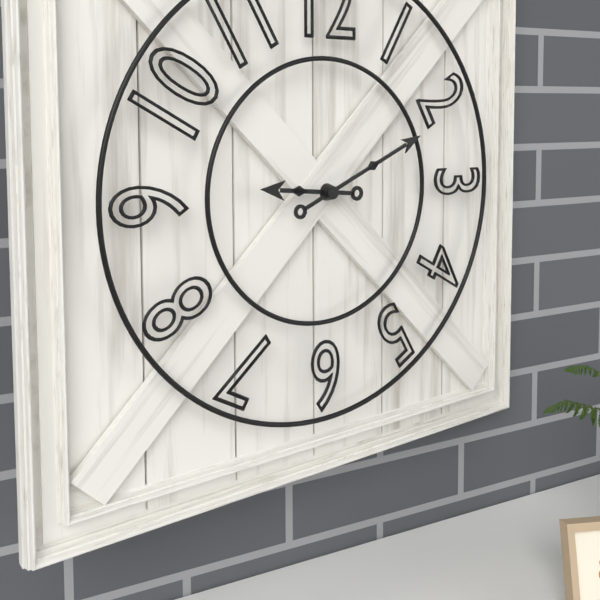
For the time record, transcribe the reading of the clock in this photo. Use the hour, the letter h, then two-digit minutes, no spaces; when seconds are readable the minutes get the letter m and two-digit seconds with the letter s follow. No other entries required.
9h11
